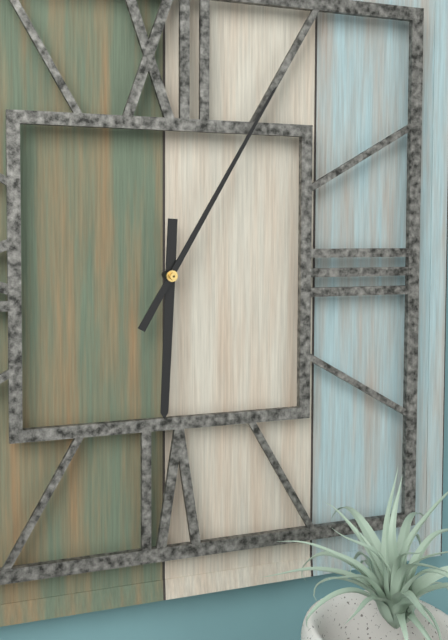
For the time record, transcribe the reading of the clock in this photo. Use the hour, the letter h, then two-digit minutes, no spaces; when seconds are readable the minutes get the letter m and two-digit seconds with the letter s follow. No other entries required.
6h05
